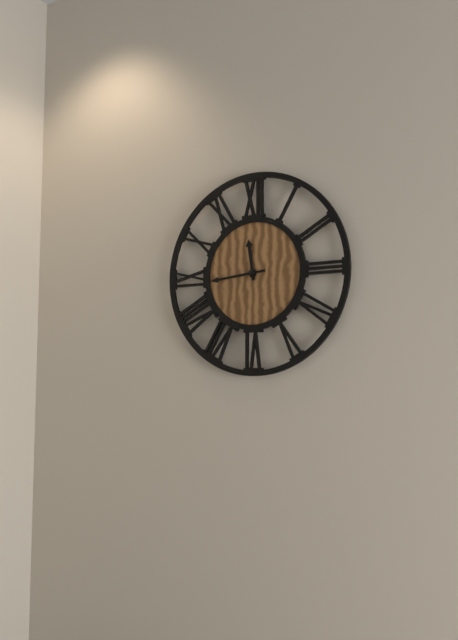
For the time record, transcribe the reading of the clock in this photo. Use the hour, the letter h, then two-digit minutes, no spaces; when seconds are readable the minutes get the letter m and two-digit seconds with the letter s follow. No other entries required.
11h44
